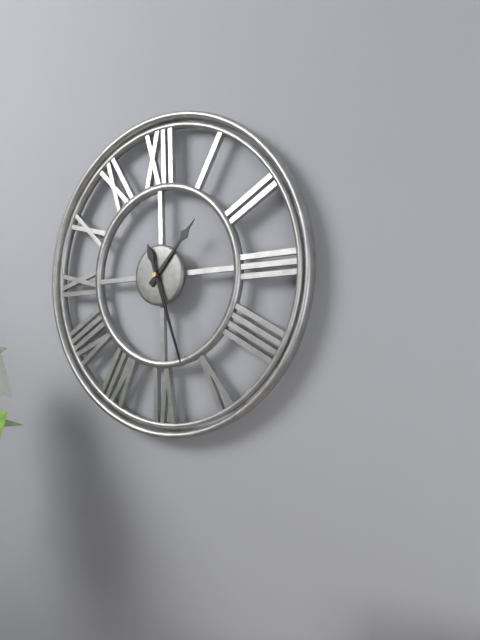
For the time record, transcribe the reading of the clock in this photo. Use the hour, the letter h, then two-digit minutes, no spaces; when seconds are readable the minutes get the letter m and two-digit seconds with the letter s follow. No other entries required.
1h27
